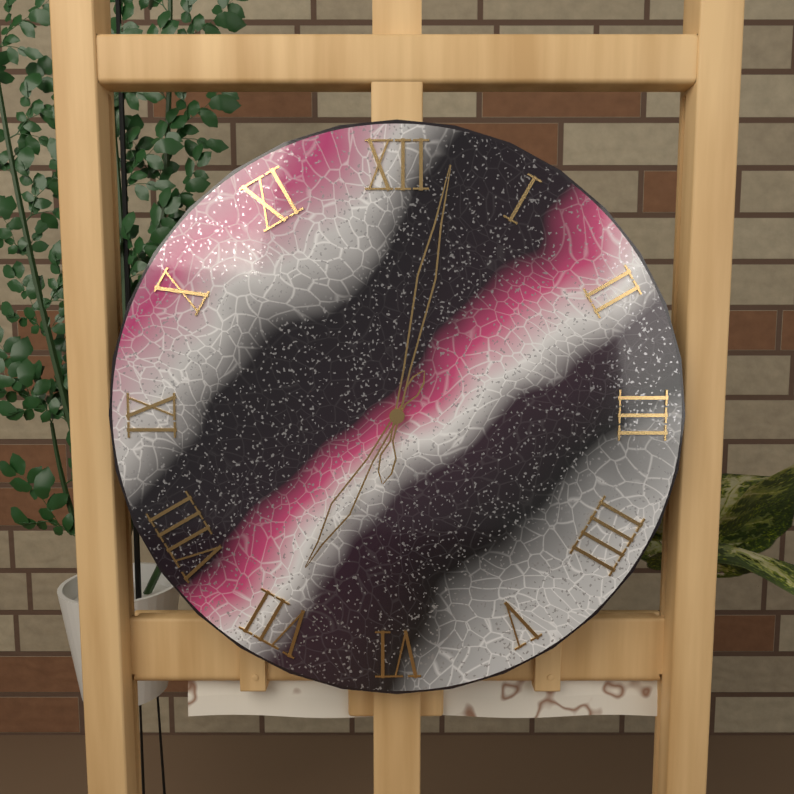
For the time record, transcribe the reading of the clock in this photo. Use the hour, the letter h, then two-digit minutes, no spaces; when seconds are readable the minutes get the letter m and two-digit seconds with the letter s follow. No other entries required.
7h02
